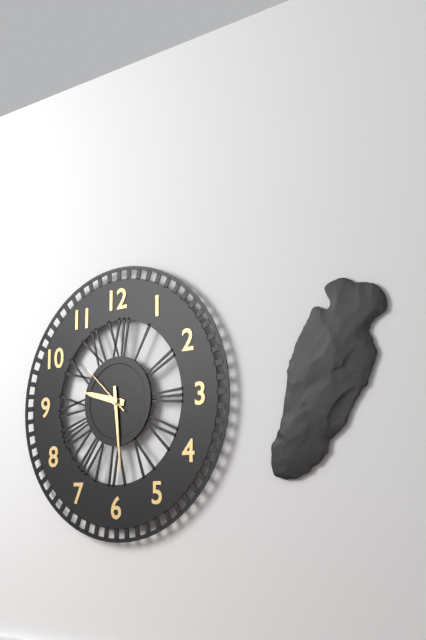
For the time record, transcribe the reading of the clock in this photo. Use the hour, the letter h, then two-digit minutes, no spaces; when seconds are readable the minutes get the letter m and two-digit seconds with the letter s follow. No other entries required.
9h29m52s
